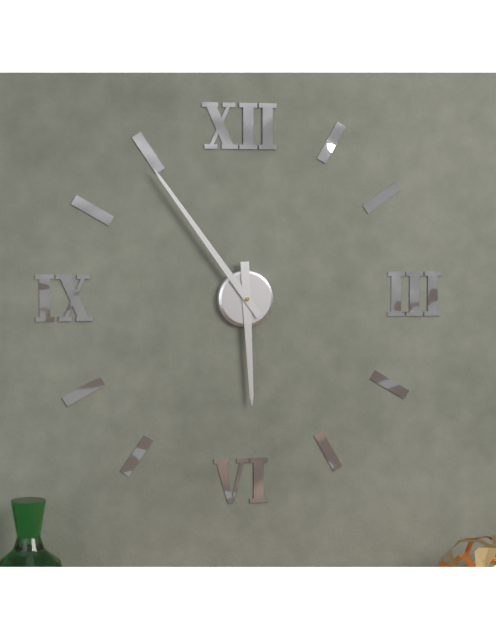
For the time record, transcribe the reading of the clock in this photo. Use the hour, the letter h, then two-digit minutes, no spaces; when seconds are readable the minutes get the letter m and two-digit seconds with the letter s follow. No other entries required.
5h54
